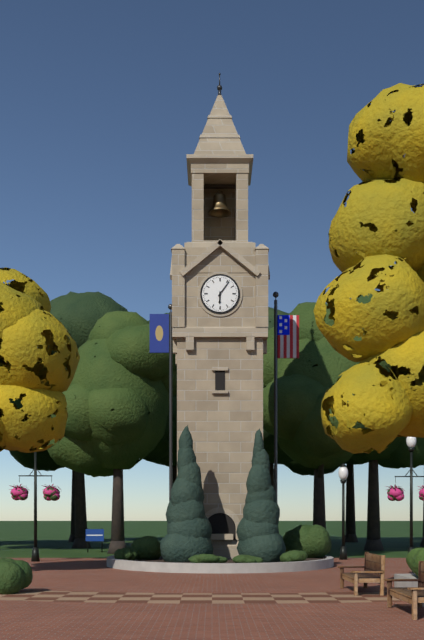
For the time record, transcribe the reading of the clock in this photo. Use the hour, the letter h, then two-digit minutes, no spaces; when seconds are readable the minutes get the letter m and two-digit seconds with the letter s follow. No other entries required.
6h06
